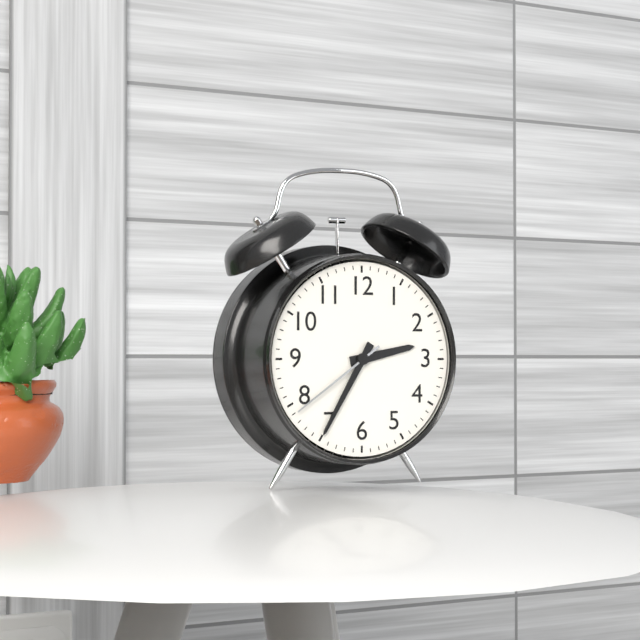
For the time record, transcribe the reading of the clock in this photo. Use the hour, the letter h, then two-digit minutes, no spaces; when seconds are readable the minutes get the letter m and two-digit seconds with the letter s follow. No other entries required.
2h35m39s
